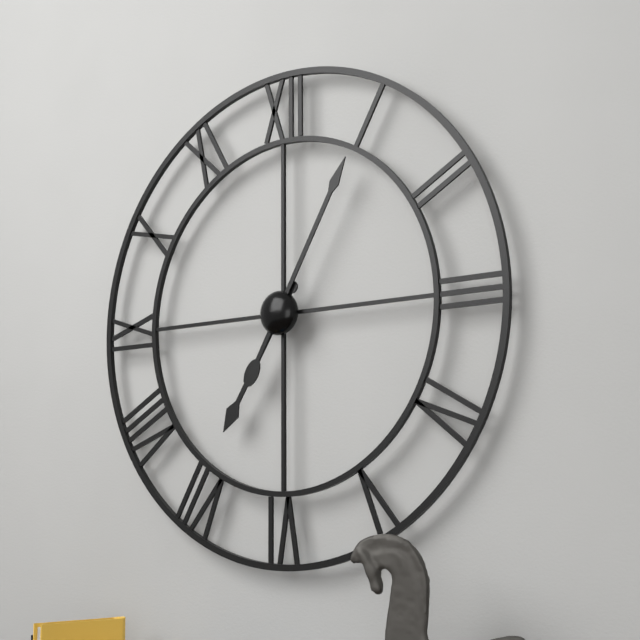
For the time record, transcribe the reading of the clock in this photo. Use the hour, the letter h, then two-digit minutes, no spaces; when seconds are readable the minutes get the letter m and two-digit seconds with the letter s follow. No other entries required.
7h05
